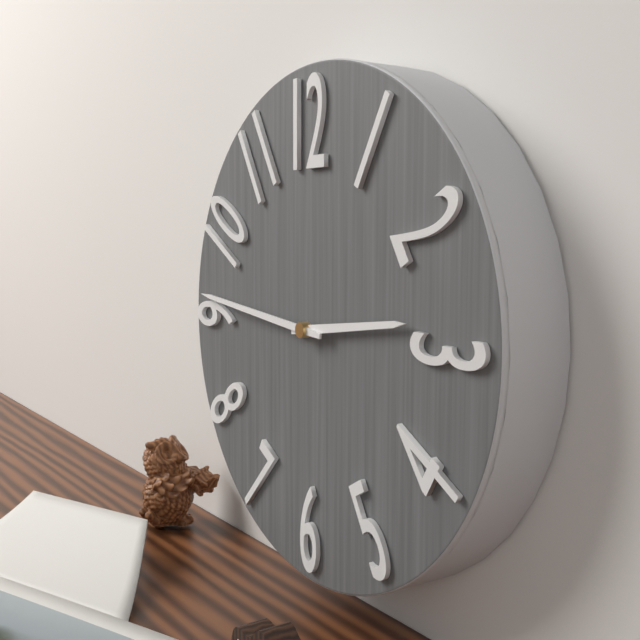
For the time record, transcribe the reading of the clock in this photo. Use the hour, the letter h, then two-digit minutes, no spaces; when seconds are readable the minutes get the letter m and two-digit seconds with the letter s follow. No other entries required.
2h46
